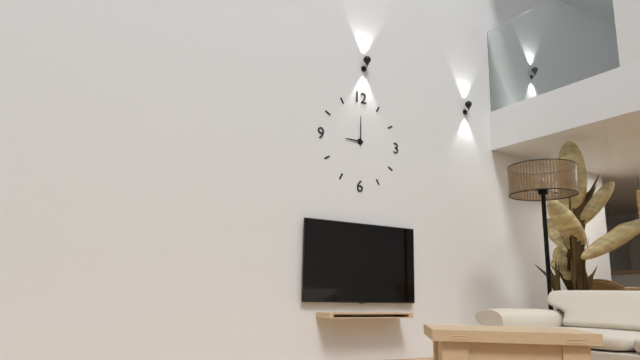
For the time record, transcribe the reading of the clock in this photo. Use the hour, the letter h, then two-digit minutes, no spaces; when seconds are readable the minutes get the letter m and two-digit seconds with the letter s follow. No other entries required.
9h00
